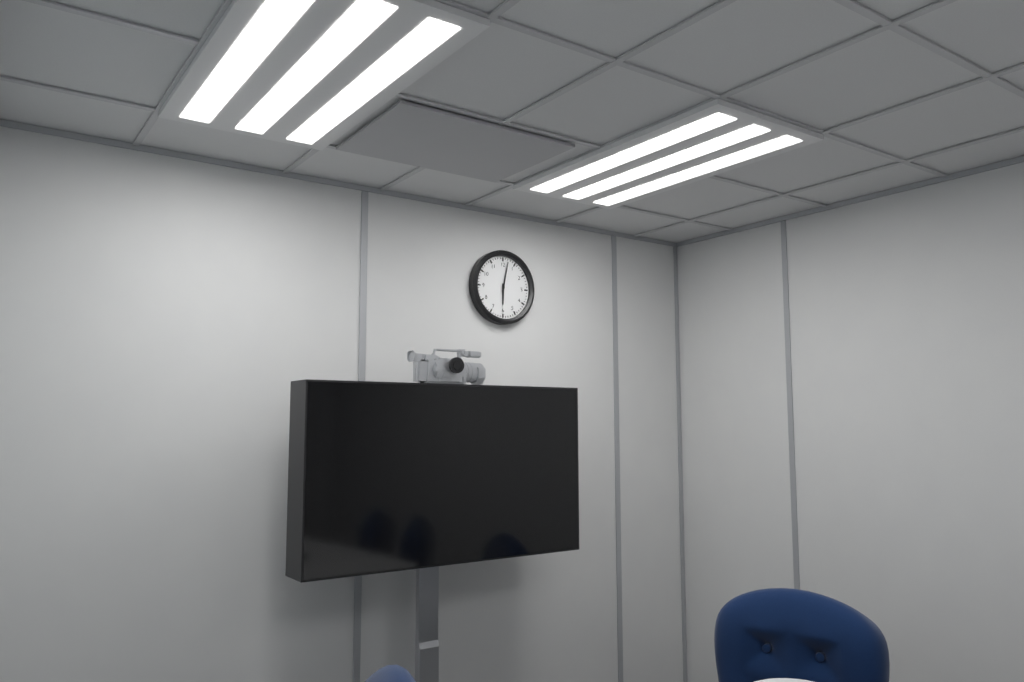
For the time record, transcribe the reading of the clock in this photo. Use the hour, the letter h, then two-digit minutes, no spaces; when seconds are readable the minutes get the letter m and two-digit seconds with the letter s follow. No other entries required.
6h02
